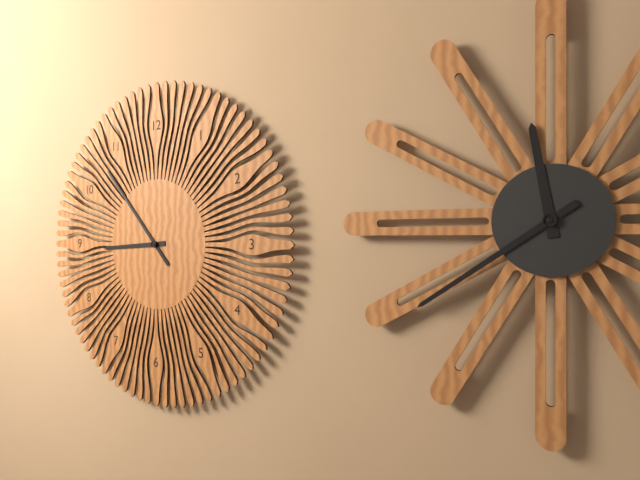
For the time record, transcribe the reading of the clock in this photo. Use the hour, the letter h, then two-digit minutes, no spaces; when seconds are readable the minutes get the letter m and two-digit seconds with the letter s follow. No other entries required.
8h53
